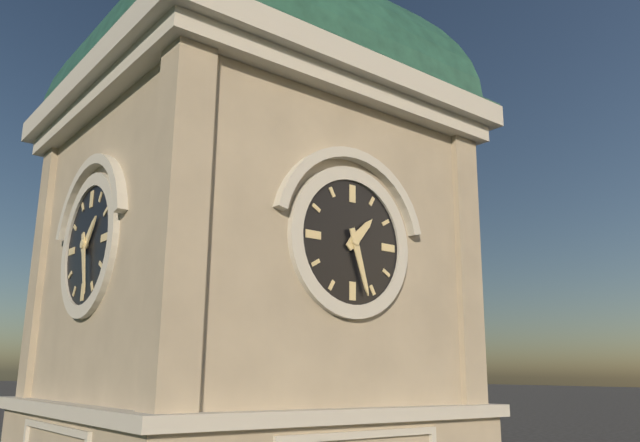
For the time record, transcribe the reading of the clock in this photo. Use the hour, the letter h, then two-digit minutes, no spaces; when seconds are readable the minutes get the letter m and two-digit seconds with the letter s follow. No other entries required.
1h27
